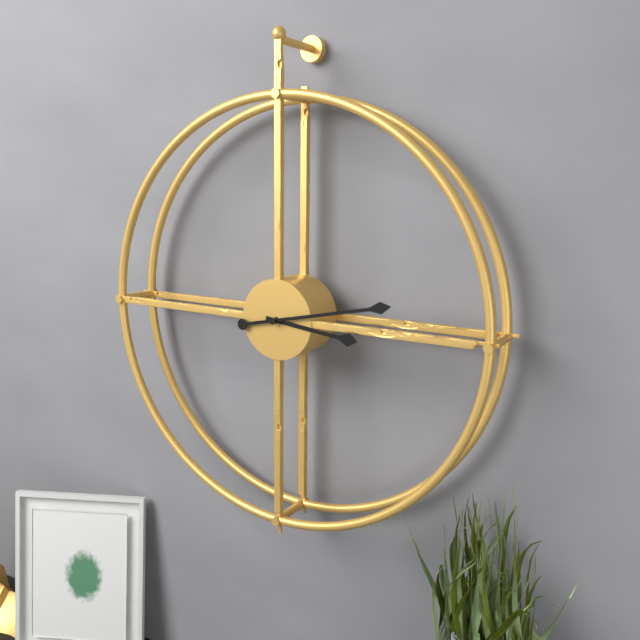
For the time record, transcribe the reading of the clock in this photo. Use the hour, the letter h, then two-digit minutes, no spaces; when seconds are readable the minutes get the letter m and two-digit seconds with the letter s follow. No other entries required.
3h13
